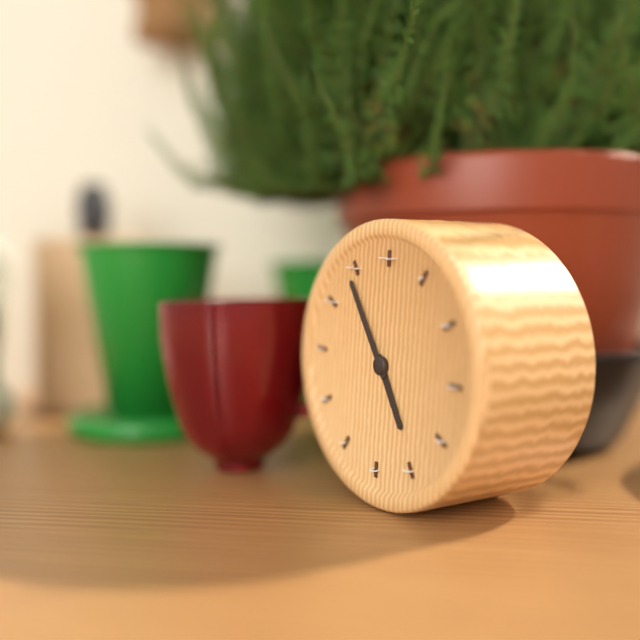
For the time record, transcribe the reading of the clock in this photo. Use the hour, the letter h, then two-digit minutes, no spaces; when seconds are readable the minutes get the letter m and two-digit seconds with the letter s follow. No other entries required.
4h54
